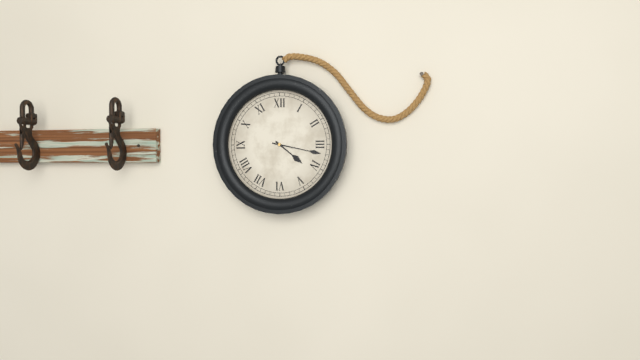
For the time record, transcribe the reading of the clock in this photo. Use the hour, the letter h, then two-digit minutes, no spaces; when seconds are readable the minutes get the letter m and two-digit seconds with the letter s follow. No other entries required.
4h17
